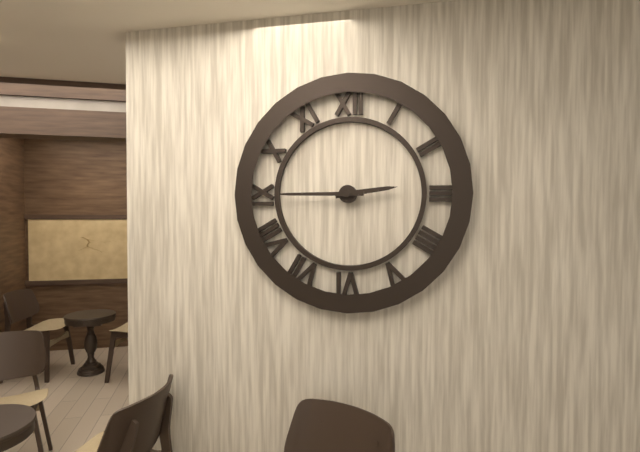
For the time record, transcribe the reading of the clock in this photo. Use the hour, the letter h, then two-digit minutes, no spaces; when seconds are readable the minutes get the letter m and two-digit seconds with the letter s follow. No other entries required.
2h45
